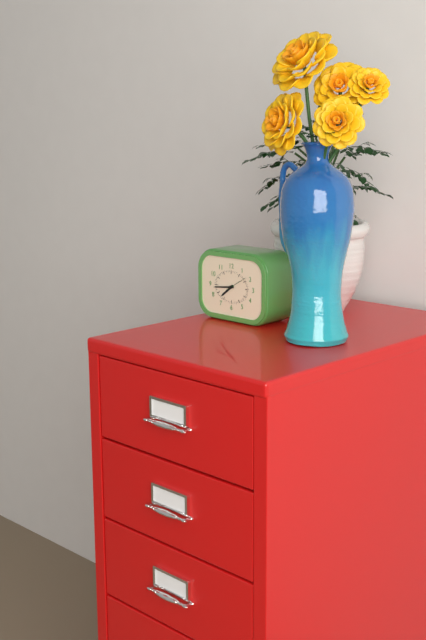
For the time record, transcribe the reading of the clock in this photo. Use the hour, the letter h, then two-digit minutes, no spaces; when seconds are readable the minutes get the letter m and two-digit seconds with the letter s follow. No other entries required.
7h44
